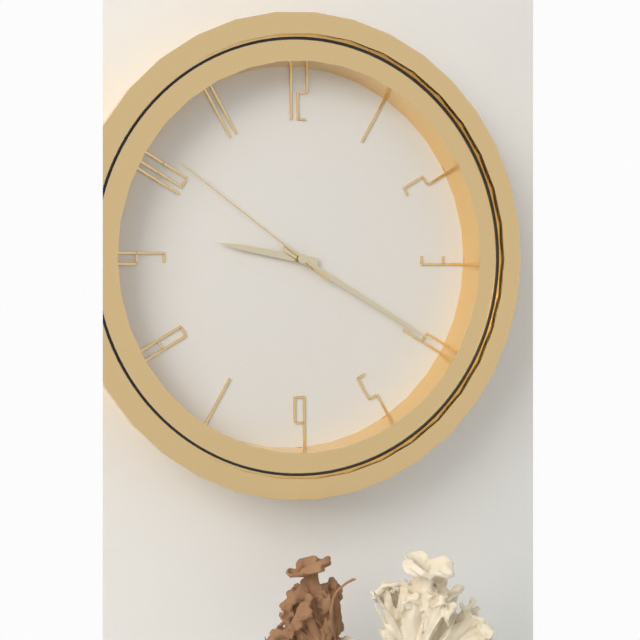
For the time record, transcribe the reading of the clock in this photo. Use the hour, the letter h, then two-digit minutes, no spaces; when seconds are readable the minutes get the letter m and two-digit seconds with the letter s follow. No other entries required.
9h20m51s
